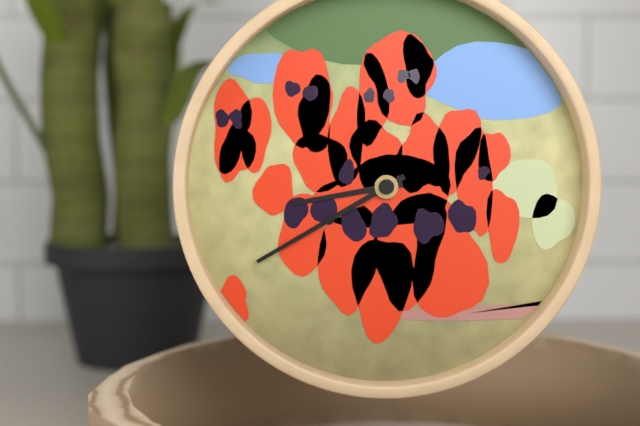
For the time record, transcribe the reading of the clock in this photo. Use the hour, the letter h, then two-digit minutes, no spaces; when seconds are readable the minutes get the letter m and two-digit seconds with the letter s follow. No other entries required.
8h40
